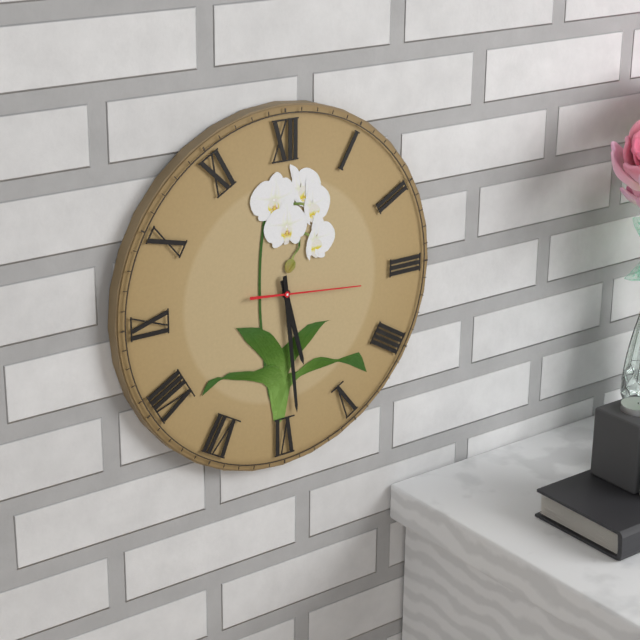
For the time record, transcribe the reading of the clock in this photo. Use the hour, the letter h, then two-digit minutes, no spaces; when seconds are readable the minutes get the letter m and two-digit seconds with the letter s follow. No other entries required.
5h29m16s
